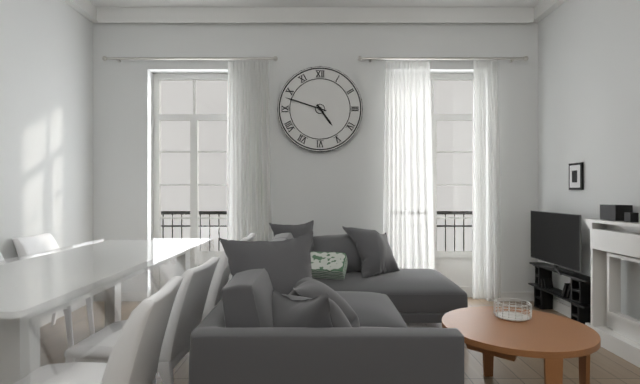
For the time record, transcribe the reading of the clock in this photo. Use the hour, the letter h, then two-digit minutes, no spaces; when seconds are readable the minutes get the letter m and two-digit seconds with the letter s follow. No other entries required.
4h48
